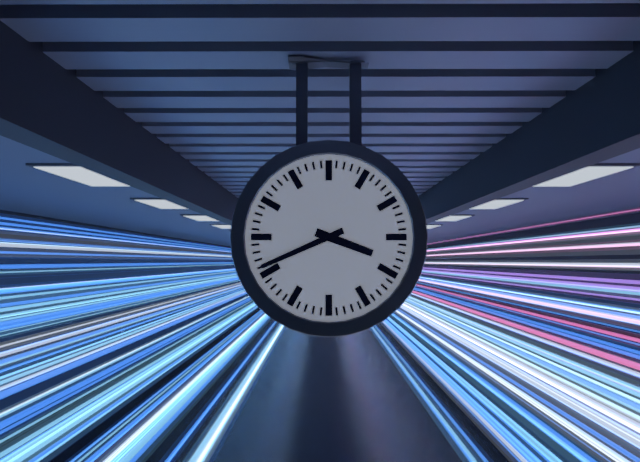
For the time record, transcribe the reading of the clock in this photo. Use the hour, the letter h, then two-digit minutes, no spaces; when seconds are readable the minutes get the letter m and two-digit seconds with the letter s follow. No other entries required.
3h41
